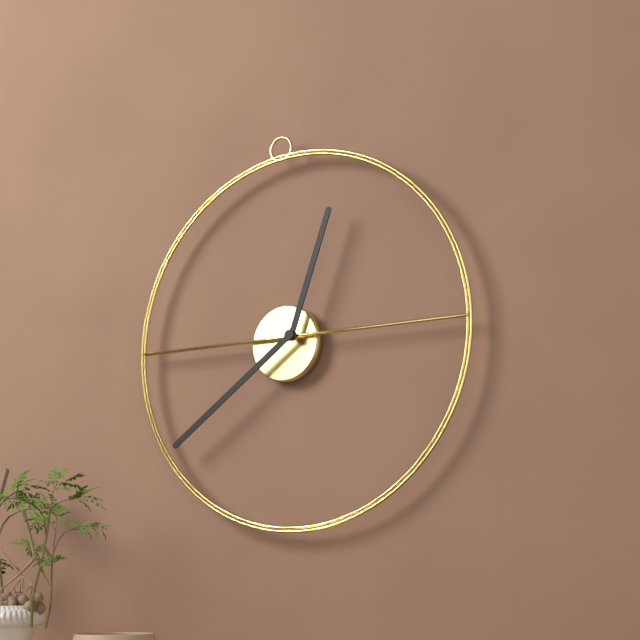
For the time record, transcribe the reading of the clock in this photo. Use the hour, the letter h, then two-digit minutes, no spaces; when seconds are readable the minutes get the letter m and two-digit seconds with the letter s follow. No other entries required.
12h39
